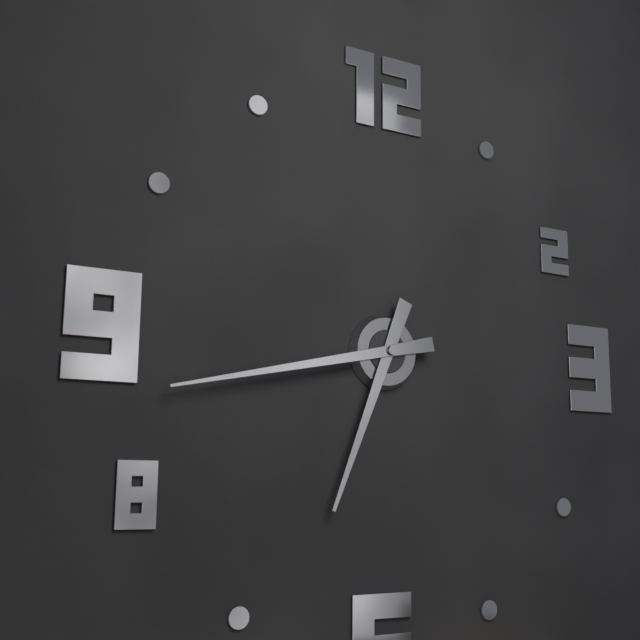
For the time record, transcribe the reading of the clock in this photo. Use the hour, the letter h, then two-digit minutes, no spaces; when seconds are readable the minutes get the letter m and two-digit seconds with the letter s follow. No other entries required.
6h43
